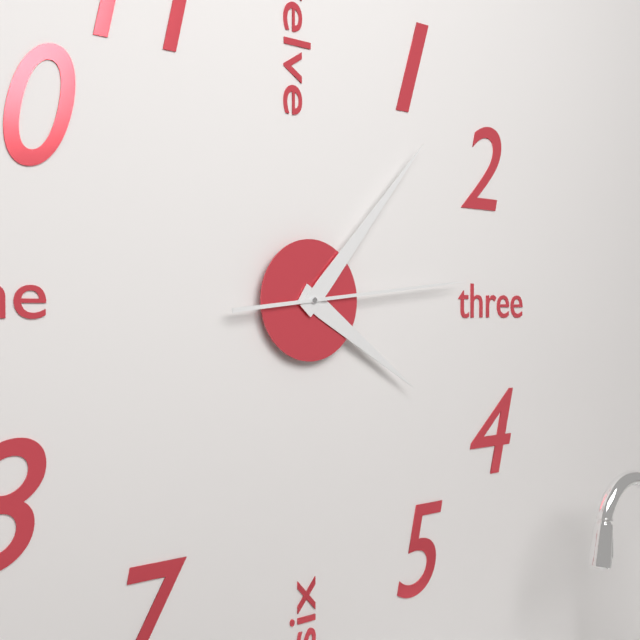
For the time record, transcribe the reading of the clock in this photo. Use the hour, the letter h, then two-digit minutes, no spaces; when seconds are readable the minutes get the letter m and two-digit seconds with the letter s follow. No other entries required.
4h07m14s
